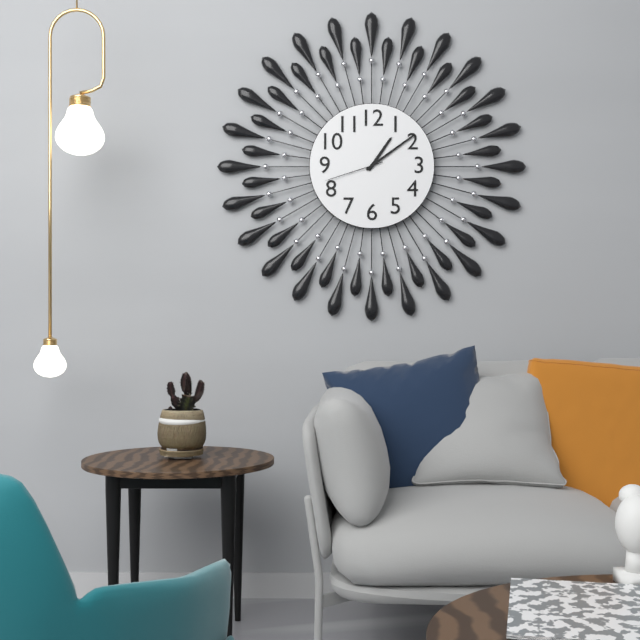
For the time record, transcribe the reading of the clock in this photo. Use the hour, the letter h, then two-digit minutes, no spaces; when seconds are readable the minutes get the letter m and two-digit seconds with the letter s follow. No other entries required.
1h09m42s
